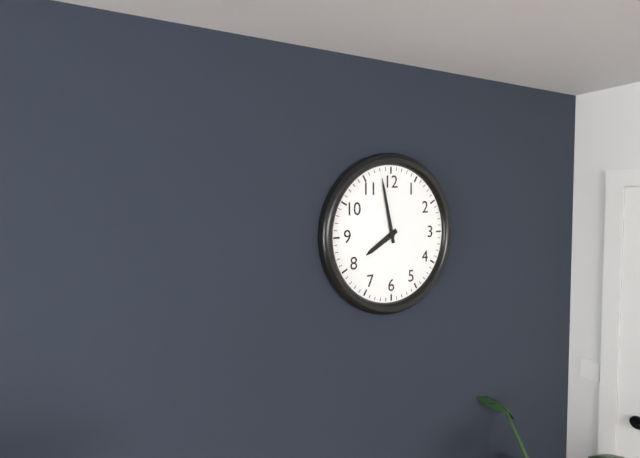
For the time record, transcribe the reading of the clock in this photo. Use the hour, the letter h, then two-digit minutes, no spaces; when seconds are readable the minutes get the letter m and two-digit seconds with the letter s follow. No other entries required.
7h58
